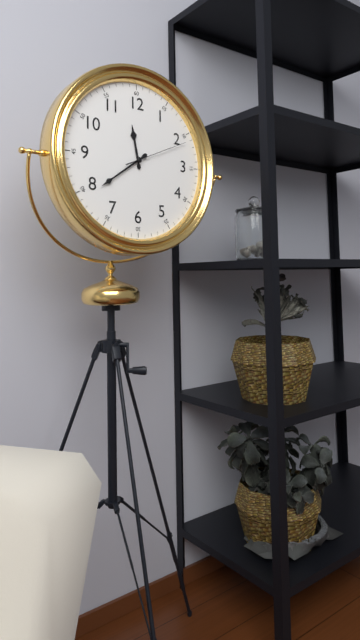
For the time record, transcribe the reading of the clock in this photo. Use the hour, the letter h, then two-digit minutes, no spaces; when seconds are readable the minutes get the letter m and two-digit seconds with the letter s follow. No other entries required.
11h39m11s
